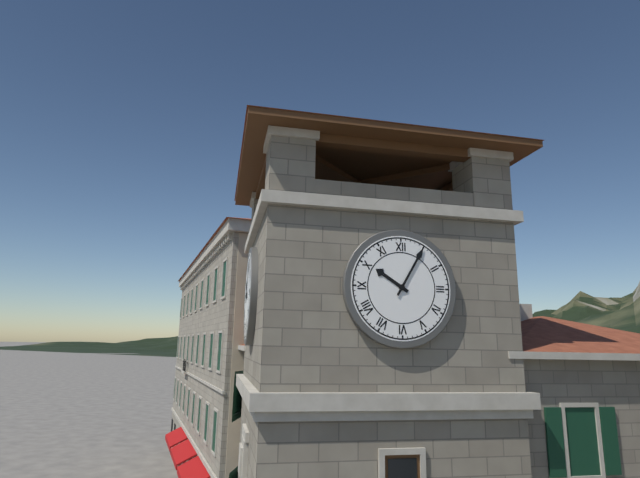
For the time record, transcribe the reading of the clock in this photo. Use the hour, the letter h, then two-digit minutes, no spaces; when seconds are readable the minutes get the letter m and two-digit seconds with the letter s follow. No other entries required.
10h05
